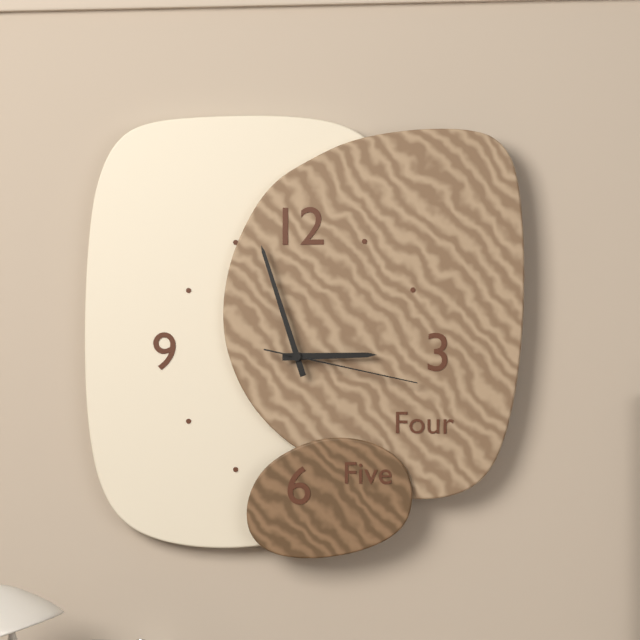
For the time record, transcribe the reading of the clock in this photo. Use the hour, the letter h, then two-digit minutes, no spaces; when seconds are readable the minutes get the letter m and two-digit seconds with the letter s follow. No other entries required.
2h57m17s
